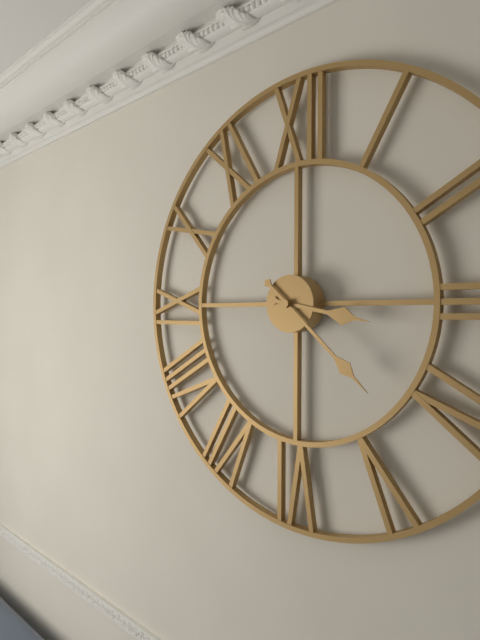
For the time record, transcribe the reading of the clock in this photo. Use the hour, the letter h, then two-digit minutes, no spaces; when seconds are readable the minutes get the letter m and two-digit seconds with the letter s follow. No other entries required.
3h22
